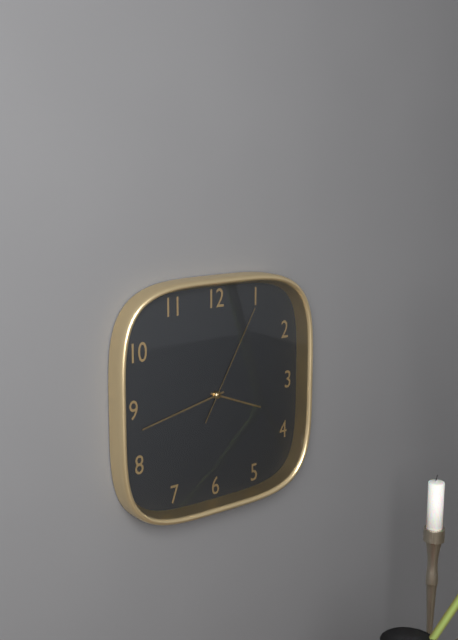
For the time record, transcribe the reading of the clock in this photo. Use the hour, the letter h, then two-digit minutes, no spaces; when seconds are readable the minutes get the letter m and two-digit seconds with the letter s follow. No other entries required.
3h43m05s
